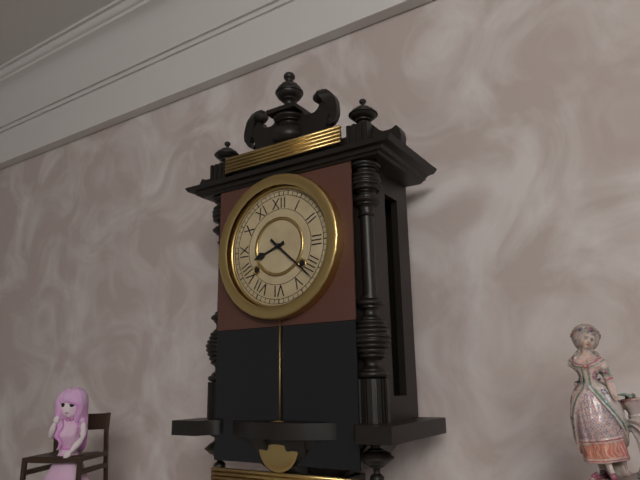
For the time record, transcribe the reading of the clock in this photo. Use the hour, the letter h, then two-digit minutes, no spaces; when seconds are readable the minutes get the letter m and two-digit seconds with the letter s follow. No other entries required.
8h22
